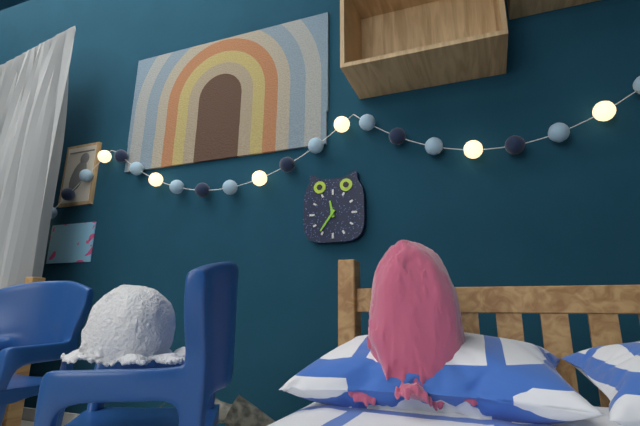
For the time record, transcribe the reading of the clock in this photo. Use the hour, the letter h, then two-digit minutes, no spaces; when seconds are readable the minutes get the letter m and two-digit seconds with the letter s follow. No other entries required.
11h36
